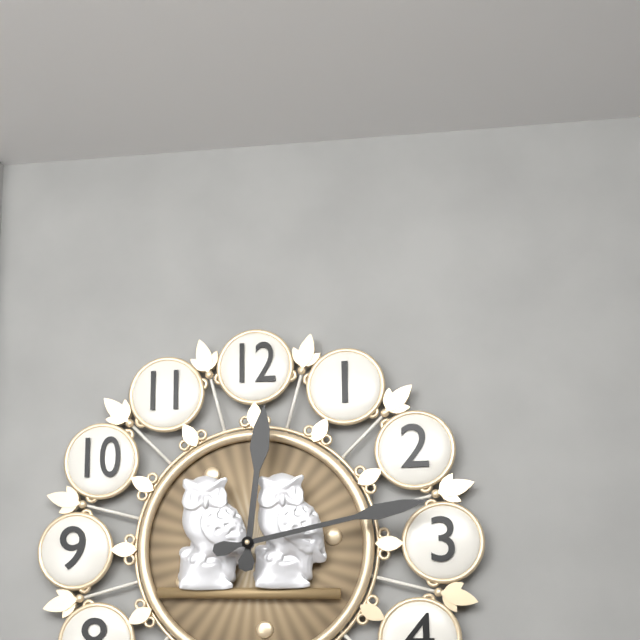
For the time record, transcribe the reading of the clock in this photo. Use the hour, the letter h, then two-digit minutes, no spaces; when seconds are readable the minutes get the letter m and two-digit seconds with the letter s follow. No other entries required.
12h13
